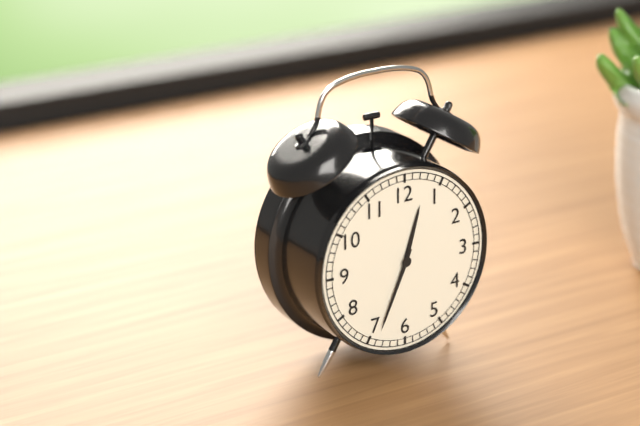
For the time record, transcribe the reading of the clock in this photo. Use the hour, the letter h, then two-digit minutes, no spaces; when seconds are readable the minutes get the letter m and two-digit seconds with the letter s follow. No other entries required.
12h34
